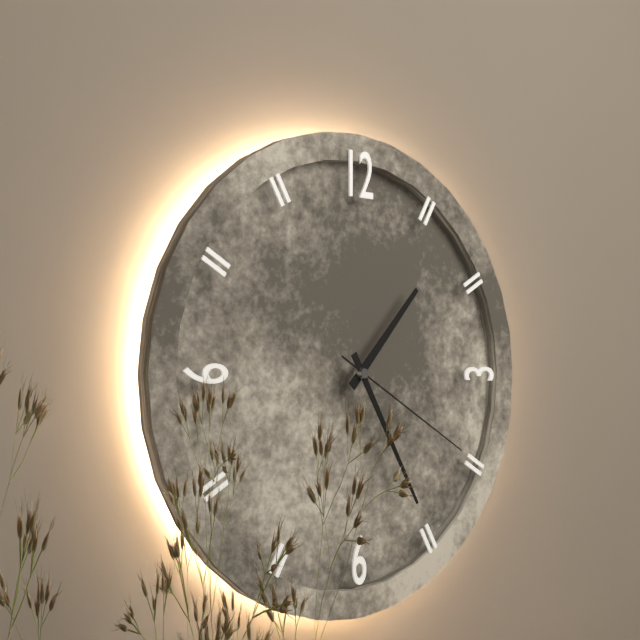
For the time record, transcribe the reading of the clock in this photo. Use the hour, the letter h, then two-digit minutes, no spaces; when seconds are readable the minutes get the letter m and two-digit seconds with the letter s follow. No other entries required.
1h25m20s
